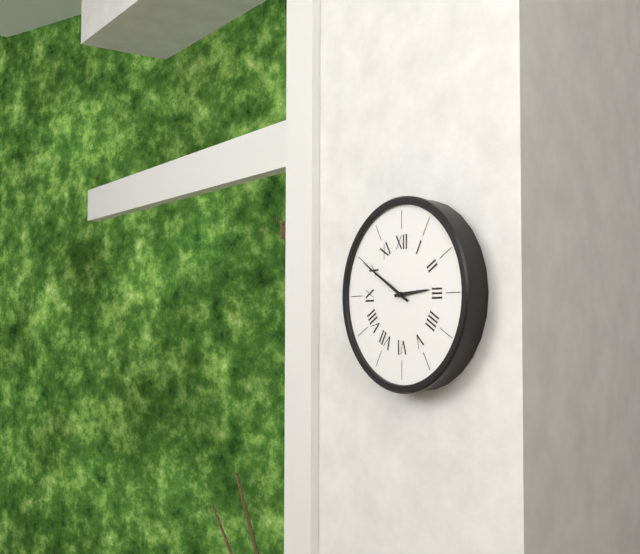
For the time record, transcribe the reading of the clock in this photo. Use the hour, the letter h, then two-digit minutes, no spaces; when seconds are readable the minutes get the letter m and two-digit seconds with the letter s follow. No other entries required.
2h50
